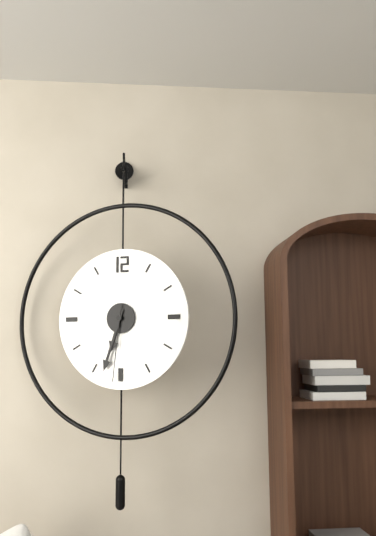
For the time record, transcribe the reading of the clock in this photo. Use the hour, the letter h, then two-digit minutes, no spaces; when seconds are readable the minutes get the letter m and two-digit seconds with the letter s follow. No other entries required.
6h33m31s
